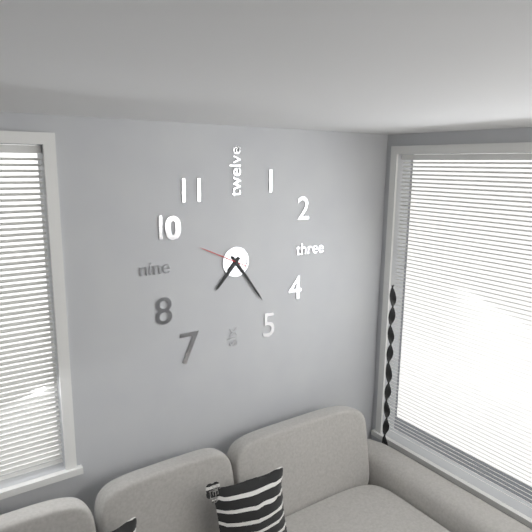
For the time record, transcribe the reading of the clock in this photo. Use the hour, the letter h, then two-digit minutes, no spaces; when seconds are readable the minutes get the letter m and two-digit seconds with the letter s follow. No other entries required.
7h24
